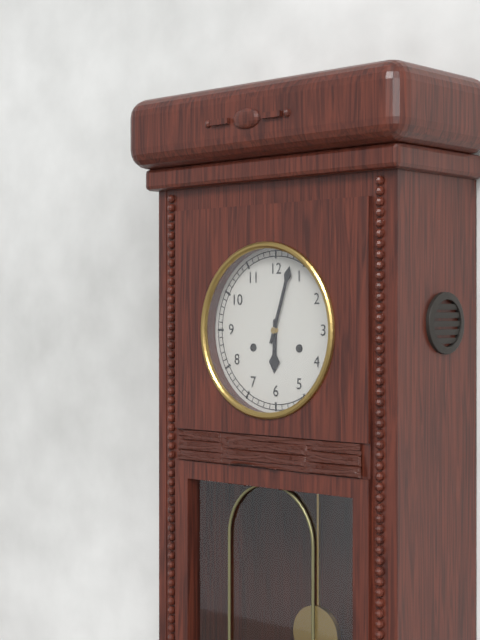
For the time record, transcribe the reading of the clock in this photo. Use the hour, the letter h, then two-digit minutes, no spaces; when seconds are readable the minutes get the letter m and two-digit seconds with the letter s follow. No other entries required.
6h03
